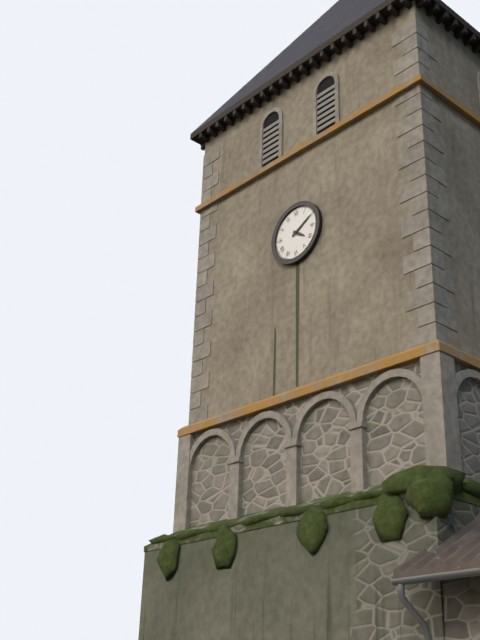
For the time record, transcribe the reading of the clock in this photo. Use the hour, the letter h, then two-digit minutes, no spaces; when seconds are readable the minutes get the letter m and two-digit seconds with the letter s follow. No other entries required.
4h10
